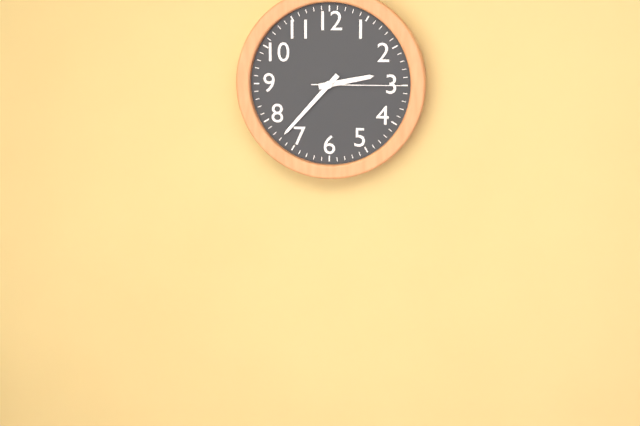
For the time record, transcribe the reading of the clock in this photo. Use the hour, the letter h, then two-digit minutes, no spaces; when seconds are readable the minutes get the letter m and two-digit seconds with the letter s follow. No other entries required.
2h37m15s
